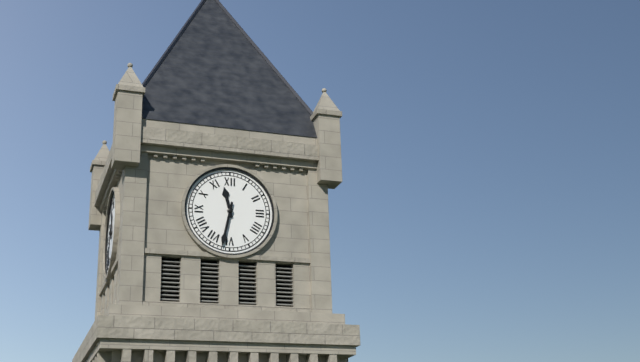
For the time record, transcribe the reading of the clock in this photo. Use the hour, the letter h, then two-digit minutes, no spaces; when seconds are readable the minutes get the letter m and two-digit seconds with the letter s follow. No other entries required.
11h32
